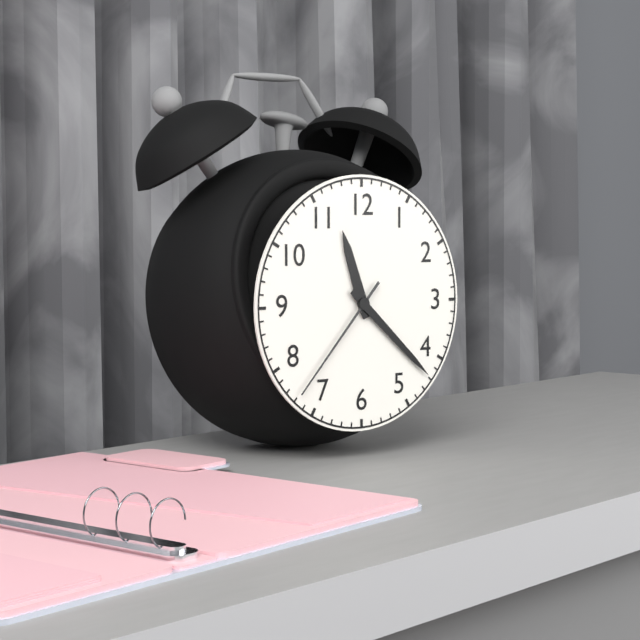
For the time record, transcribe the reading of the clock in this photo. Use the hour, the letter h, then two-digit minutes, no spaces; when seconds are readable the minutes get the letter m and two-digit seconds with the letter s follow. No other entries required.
11h22m37s
